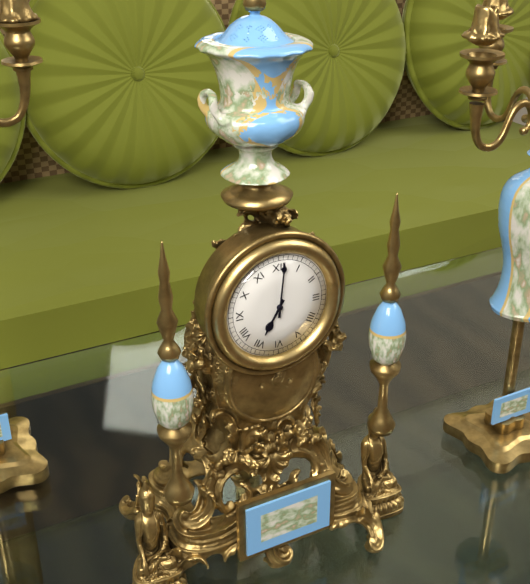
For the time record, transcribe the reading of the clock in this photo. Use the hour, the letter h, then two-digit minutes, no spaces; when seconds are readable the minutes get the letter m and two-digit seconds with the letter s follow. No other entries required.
7h01
